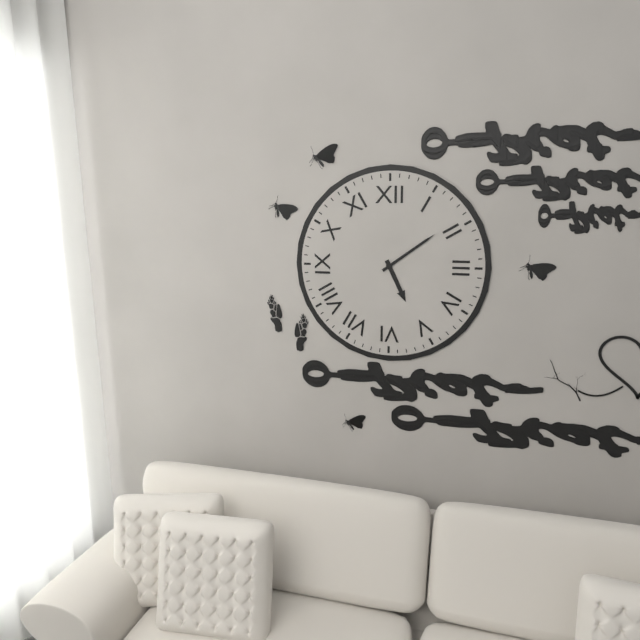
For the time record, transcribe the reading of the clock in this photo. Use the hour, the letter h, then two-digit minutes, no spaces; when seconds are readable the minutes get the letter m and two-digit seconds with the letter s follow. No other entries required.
5h09
